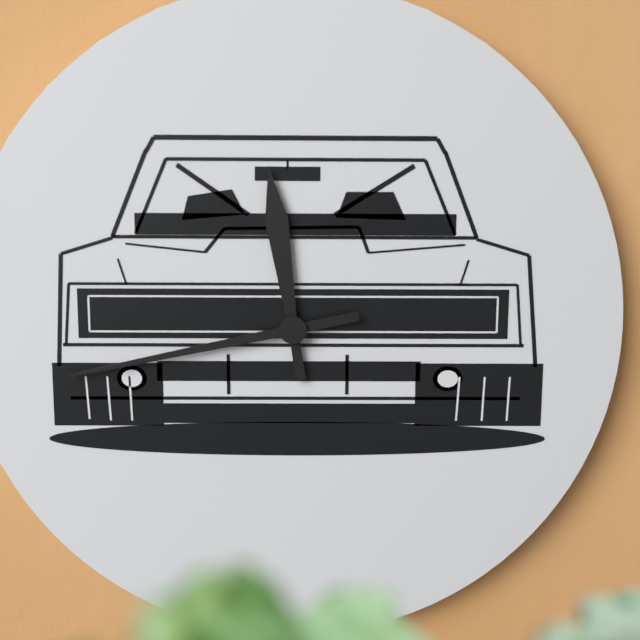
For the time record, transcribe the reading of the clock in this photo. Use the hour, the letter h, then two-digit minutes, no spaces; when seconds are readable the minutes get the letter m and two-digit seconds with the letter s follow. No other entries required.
11h43
